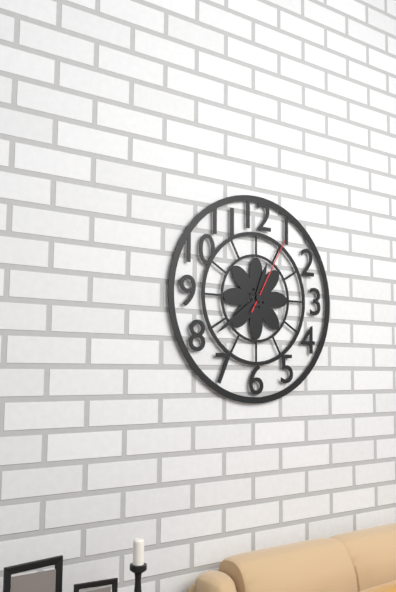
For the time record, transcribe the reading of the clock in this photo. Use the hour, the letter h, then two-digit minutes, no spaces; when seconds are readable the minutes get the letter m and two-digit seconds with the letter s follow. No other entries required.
12h39m05s
